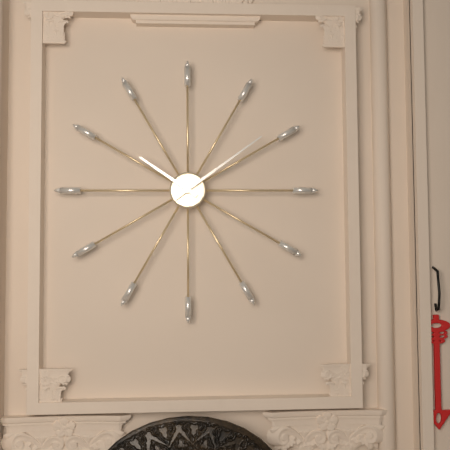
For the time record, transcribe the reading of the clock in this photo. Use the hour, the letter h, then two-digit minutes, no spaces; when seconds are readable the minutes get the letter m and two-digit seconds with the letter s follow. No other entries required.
10h09
